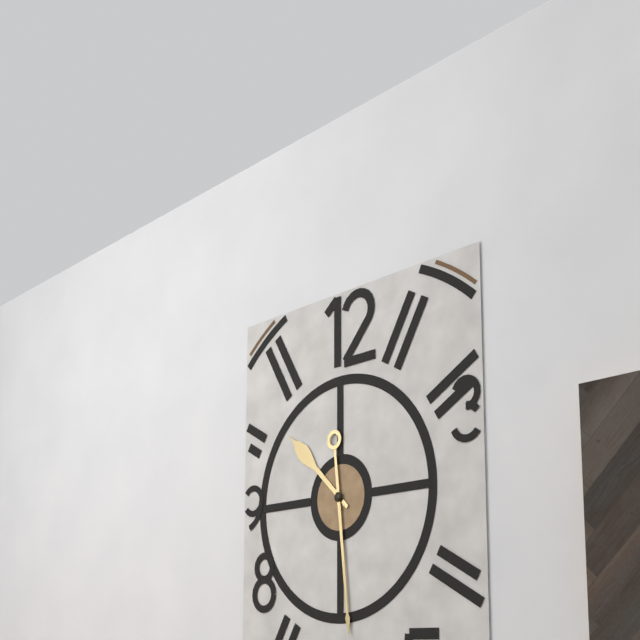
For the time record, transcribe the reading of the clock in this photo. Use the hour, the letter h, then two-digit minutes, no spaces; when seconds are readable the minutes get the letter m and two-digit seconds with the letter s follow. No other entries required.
10h29
